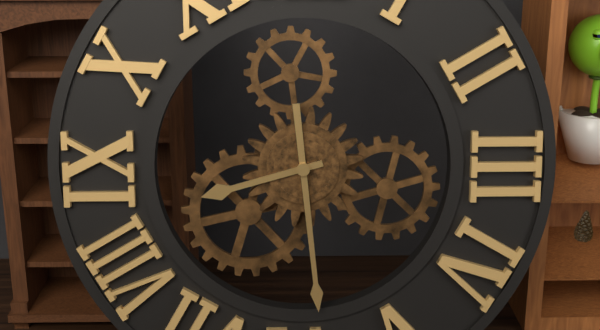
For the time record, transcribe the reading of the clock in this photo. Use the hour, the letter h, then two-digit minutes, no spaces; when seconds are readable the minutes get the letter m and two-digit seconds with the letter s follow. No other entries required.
8h29
